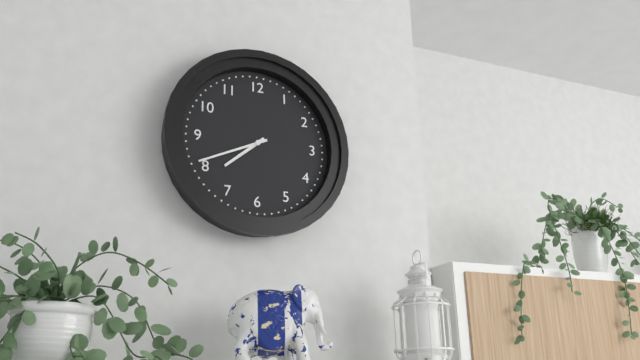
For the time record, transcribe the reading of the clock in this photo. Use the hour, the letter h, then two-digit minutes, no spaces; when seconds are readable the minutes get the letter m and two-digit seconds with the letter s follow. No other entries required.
7h41
